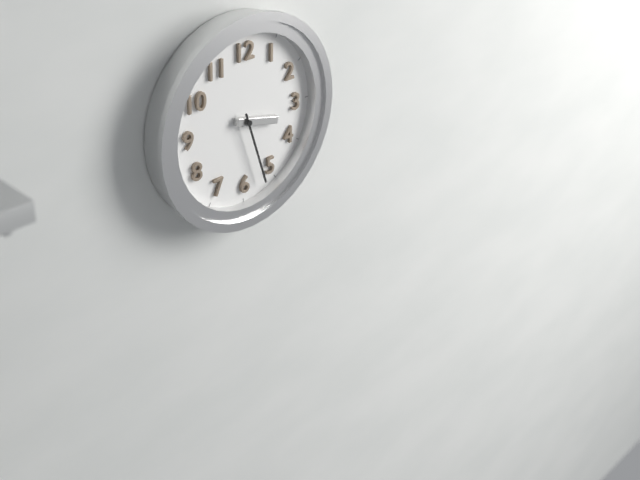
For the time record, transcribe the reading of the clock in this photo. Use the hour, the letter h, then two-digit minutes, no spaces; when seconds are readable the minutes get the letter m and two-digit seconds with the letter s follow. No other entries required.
3h27
